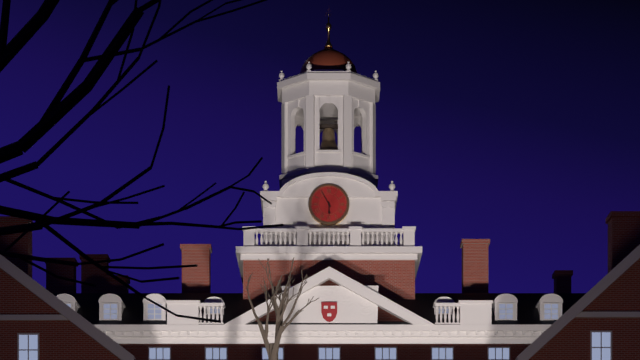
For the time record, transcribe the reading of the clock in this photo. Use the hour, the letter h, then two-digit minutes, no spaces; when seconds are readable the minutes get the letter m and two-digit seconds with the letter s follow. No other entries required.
5h55
